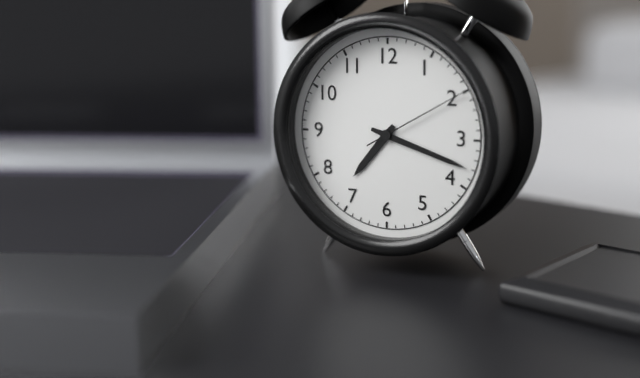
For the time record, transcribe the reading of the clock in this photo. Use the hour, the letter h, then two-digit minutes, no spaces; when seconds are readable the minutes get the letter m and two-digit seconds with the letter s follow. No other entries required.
7h18m10s
